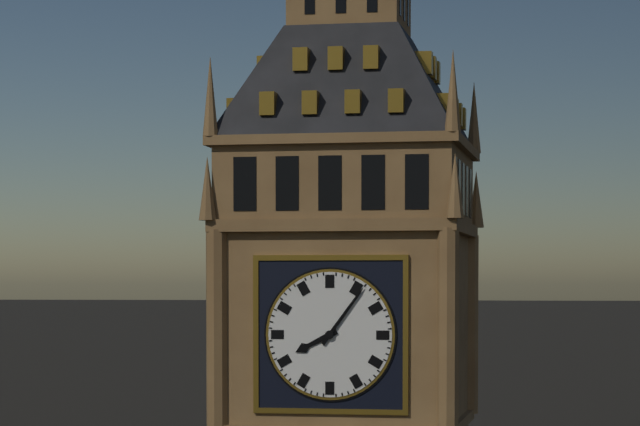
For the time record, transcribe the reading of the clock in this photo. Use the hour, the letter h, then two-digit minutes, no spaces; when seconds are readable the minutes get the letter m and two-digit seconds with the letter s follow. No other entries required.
8h06
